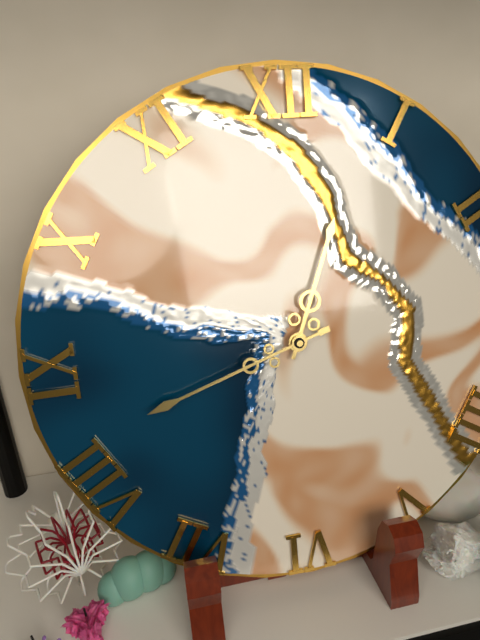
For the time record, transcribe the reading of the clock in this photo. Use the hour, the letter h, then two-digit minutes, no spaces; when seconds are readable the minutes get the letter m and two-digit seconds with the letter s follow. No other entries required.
12h42
